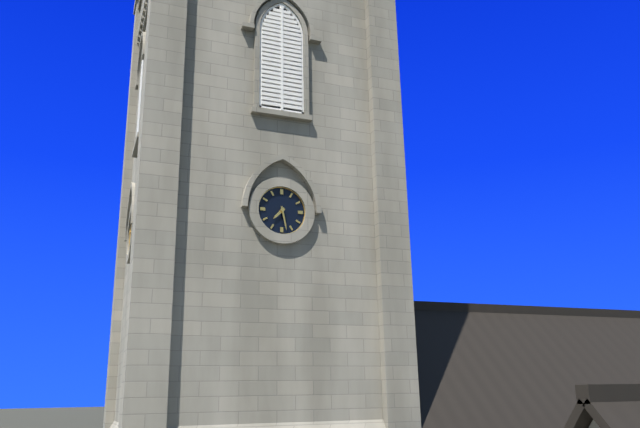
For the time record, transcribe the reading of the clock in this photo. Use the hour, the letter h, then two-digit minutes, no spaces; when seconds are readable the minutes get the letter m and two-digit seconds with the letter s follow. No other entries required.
7h28
